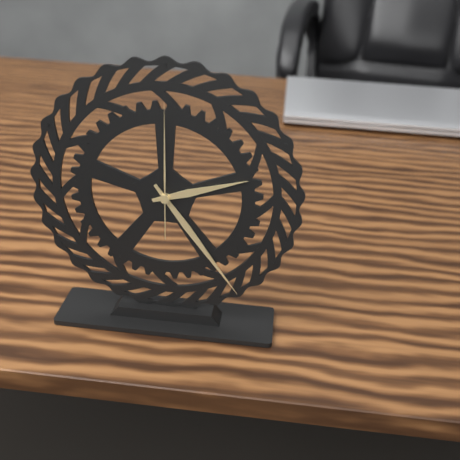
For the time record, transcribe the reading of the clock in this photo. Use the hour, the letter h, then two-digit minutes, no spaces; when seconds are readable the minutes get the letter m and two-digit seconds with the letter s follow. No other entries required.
2h24m00s
